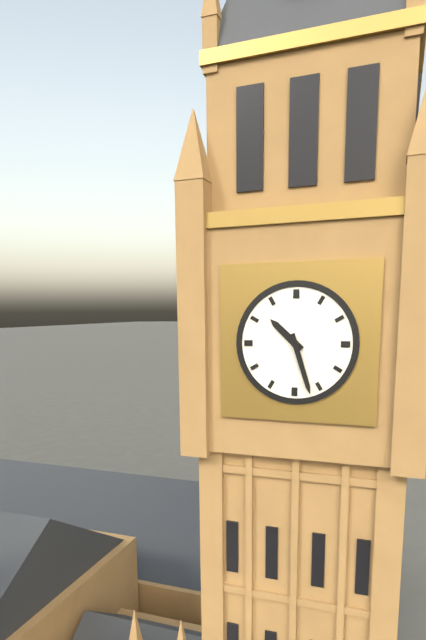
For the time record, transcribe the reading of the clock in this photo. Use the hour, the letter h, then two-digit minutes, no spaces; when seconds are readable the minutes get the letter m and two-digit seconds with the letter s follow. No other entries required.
10h27
